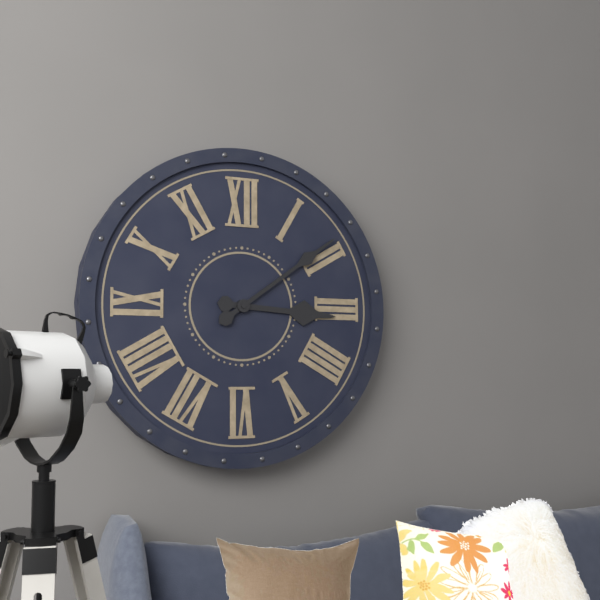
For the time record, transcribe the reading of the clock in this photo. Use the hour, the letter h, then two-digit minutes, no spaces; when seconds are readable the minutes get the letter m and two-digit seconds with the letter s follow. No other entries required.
3h09
